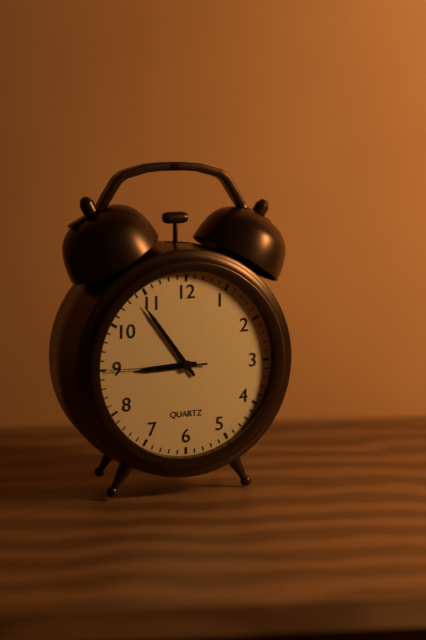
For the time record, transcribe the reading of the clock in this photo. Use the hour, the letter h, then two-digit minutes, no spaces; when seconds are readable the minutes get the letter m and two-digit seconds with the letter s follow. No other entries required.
8h54m45s
